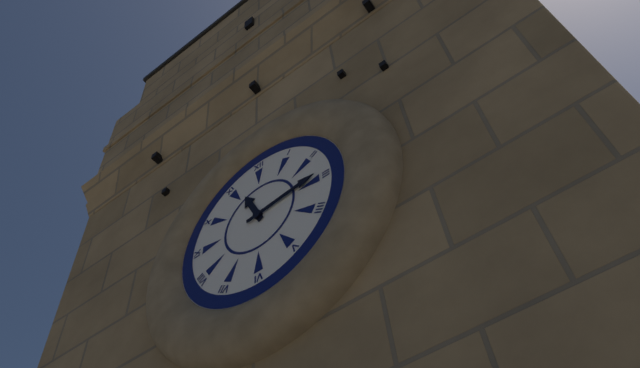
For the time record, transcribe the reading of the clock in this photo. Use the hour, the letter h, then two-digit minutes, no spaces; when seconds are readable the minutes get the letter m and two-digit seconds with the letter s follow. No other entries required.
11h14
